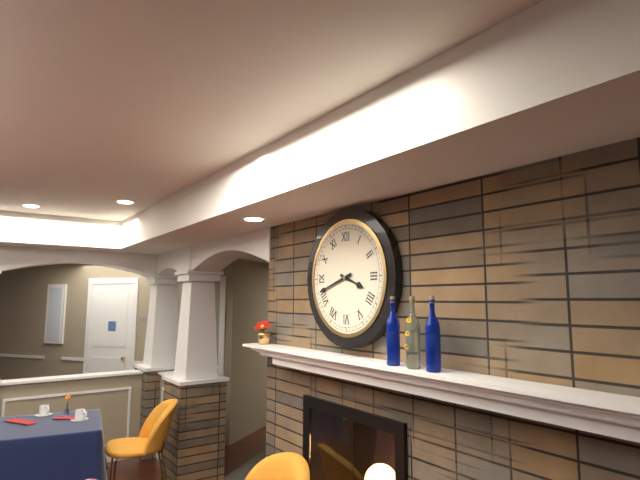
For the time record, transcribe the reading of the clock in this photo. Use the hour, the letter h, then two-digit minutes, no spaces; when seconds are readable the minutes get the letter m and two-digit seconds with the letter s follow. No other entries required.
3h42
